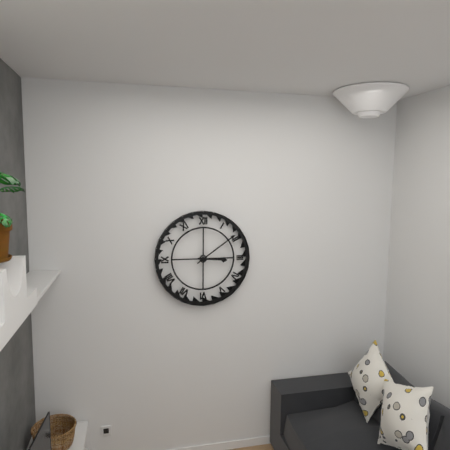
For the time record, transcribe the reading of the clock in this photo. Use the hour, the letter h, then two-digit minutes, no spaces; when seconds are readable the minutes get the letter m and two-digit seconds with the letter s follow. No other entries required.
3h09
